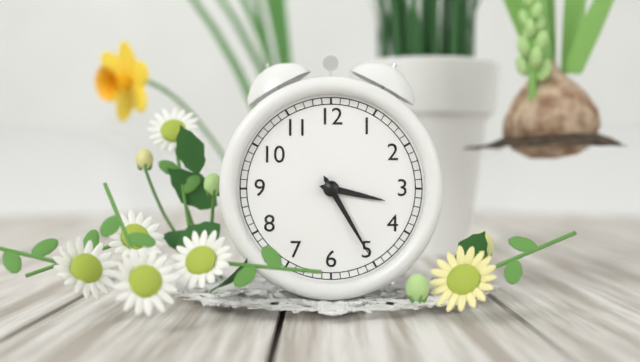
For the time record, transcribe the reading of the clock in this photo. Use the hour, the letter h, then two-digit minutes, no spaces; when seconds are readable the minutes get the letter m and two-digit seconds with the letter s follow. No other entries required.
3h25
